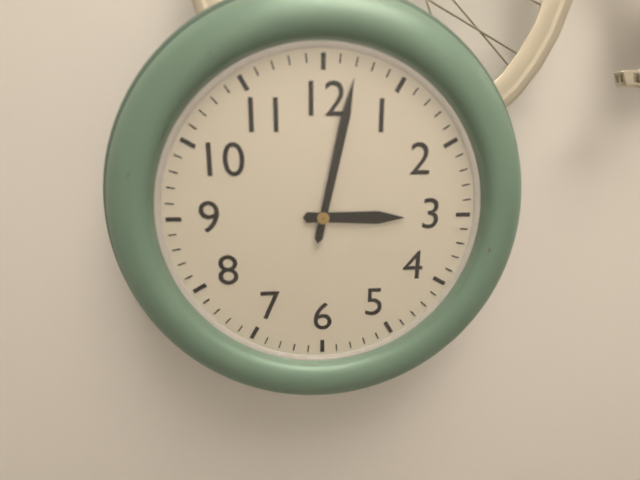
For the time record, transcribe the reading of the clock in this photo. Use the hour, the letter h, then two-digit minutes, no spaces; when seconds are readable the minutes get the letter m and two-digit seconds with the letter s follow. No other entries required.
3h02
